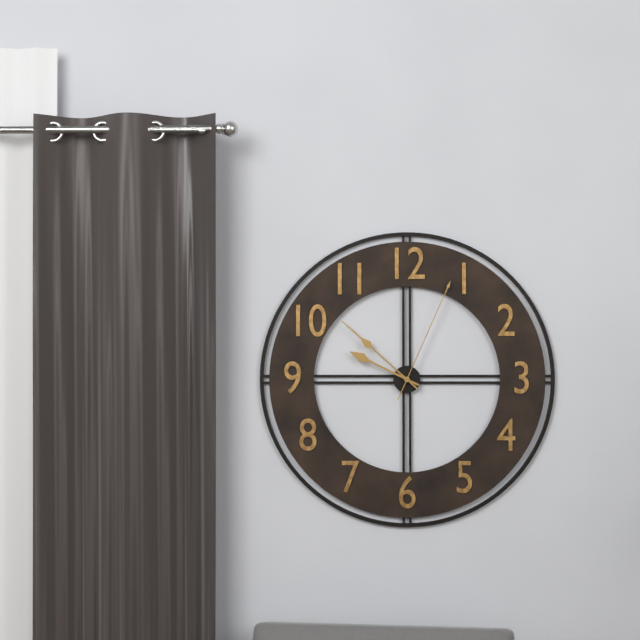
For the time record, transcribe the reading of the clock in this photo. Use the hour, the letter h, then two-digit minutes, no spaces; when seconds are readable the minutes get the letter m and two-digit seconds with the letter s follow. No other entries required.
9h52m04s
